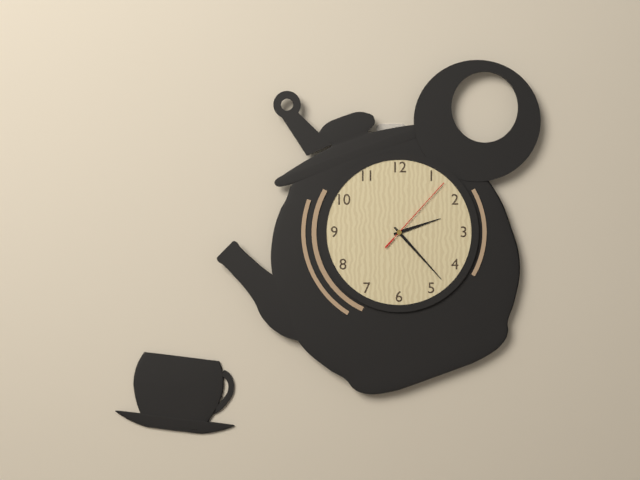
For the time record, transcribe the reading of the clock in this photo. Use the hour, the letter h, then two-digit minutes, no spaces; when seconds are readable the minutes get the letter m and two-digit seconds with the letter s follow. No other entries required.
2h23m07s
